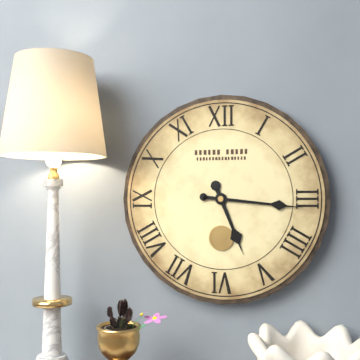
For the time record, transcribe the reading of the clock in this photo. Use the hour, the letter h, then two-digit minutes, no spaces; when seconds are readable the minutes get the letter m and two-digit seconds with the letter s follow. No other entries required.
5h16
